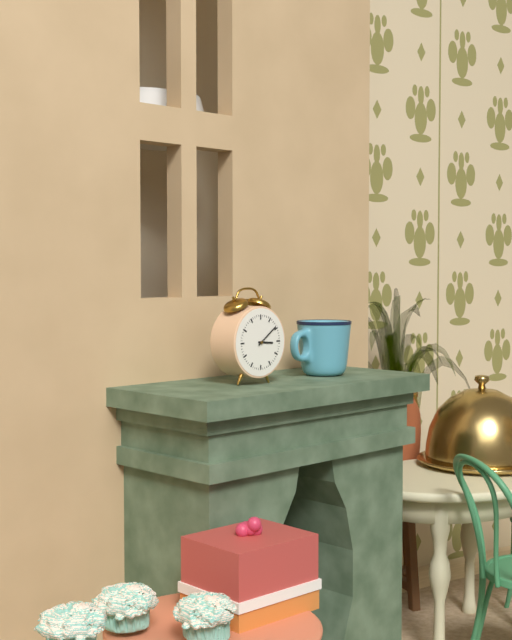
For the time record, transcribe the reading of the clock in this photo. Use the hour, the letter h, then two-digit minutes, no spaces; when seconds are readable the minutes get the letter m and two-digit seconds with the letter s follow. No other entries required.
3h09
